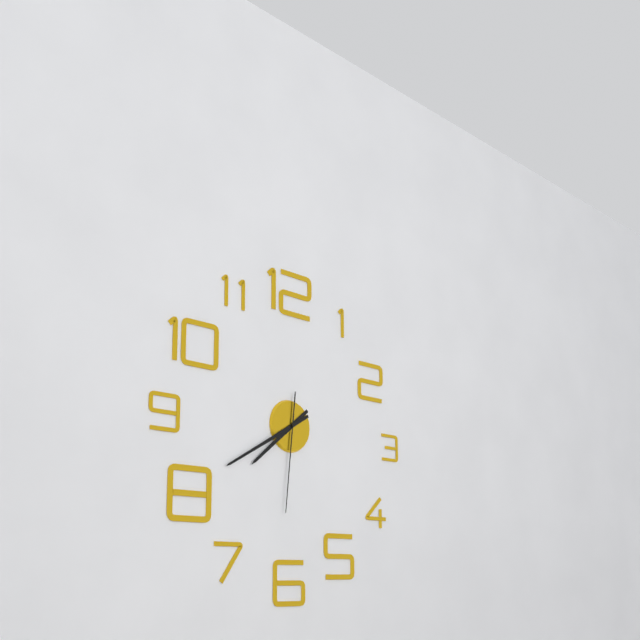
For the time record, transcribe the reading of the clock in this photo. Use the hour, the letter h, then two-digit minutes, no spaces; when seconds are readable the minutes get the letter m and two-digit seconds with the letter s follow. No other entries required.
7h40m31s
